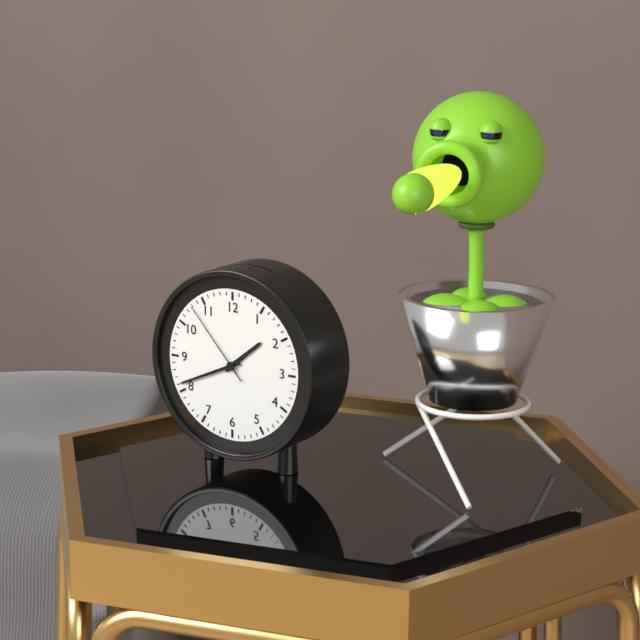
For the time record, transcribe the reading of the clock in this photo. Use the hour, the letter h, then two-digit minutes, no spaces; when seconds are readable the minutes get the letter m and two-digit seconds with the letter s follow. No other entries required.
1h41m53s
